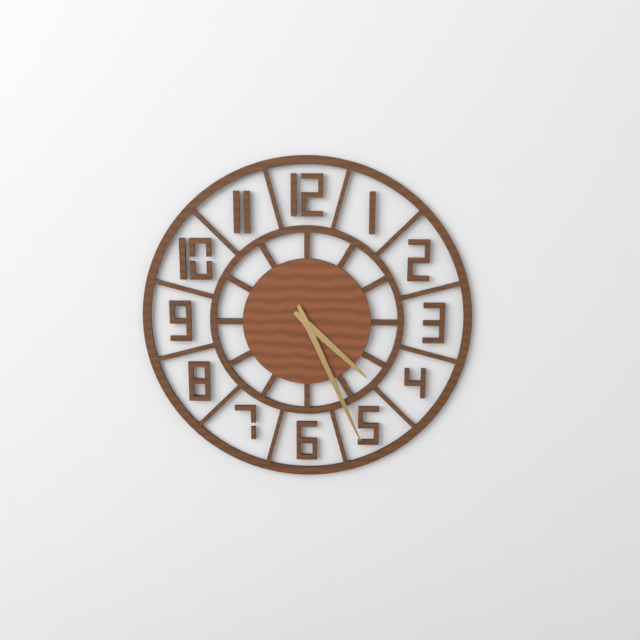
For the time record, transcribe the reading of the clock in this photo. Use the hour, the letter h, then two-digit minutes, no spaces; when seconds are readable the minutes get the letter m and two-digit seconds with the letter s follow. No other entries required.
4h26
